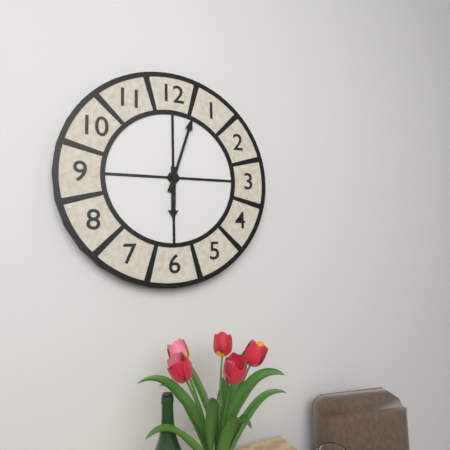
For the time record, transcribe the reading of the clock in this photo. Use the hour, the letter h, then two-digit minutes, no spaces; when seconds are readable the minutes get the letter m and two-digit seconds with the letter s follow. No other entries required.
6h03
